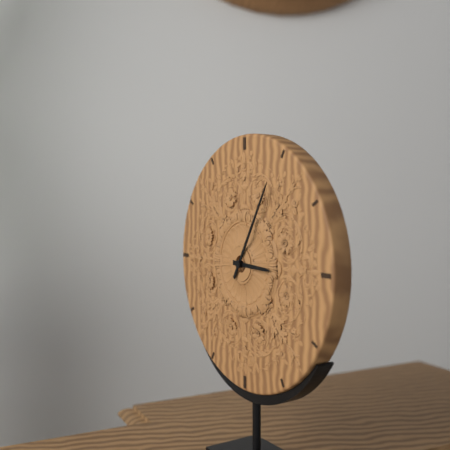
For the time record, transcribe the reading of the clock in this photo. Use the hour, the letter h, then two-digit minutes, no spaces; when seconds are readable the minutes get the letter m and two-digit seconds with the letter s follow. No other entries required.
3h05
